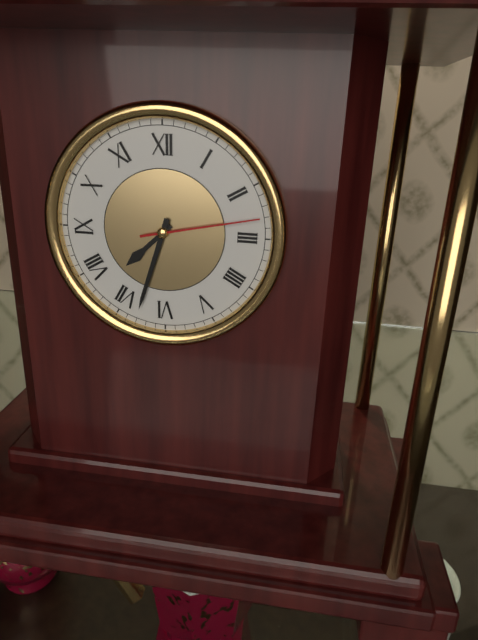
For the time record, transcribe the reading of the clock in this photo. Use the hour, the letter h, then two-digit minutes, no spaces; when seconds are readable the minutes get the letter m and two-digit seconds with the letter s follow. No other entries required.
7h33m13s
